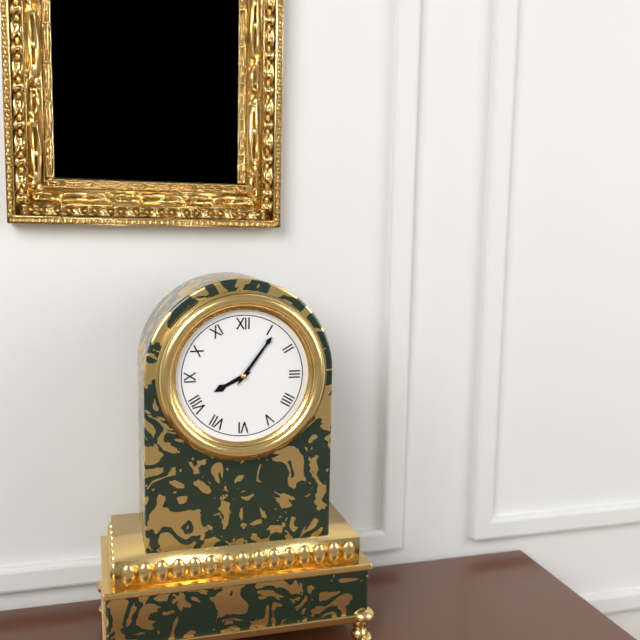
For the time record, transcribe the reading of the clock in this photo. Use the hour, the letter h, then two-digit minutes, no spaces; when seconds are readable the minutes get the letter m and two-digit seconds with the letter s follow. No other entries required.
8h06
